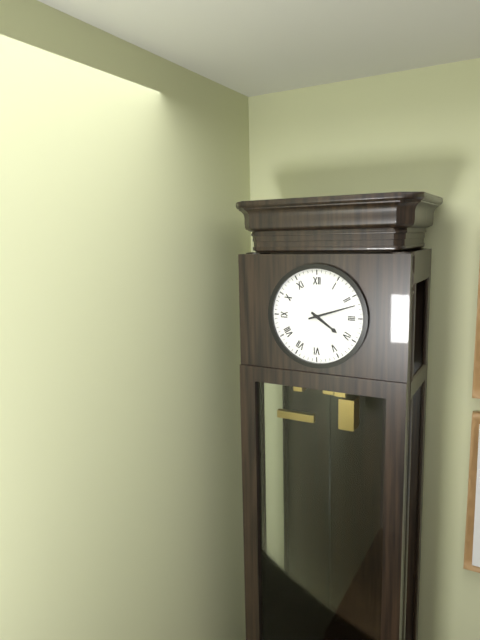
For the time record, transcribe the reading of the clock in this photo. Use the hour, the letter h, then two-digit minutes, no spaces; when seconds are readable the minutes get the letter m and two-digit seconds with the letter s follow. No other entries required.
4h12
